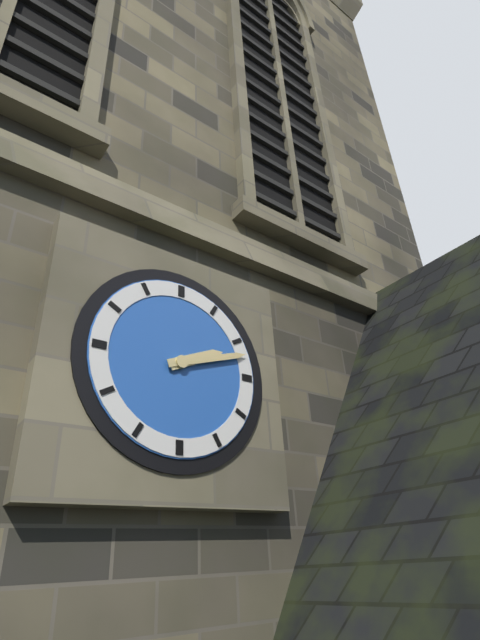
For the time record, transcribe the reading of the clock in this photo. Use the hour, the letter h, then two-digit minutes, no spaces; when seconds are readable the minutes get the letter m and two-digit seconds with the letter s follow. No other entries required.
2h12
